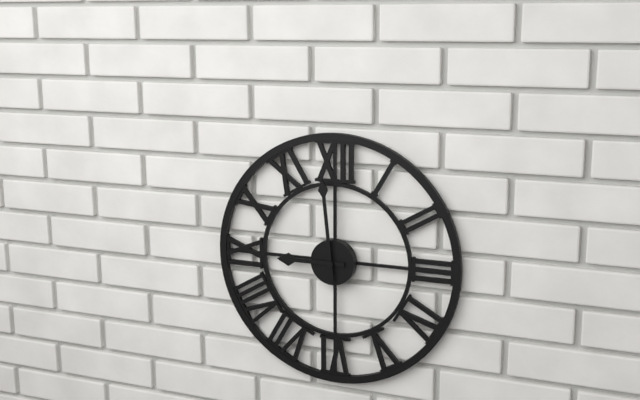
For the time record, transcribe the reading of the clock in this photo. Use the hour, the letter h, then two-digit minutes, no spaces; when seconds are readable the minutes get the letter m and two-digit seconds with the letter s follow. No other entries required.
8h59
